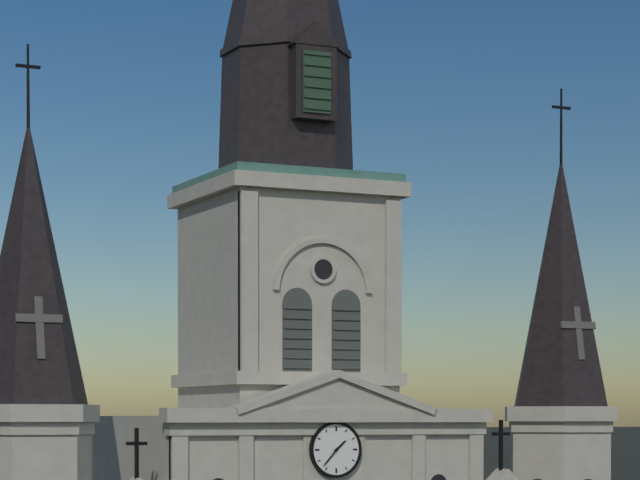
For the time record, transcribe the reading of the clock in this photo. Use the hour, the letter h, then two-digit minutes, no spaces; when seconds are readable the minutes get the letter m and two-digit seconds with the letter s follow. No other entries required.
1h37
